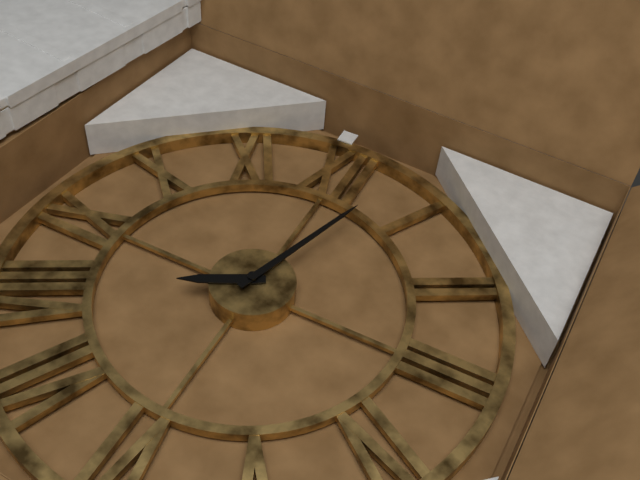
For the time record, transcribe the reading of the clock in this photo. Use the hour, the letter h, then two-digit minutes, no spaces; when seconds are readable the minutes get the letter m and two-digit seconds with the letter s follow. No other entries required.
8h03
